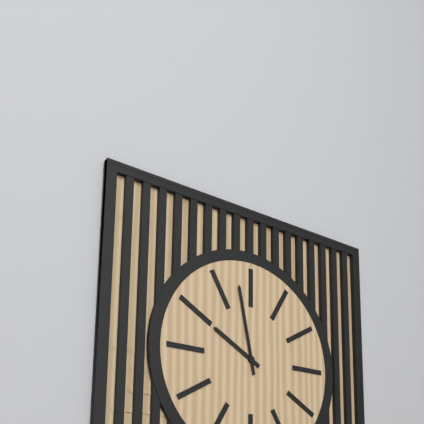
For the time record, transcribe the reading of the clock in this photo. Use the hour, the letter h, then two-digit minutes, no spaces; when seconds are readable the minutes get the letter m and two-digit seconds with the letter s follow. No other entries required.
9h58
